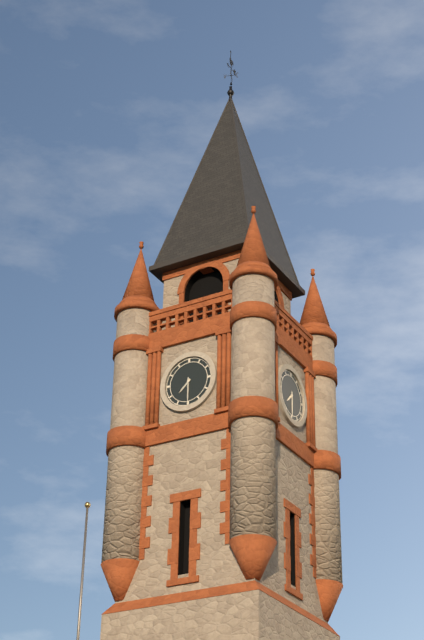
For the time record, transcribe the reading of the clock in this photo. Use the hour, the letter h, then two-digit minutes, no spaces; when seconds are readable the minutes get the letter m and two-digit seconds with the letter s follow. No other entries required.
7h30
